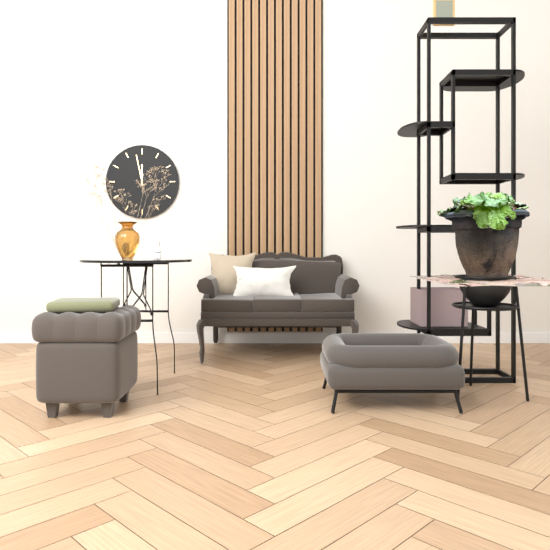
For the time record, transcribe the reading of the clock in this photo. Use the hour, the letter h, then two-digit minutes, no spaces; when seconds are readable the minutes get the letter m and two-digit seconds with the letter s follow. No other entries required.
11h58
